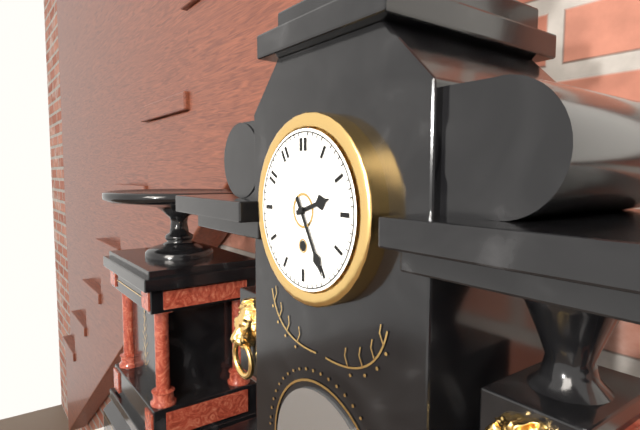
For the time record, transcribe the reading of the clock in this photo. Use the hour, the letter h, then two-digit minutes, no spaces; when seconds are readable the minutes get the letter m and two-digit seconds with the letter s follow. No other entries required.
2h25
